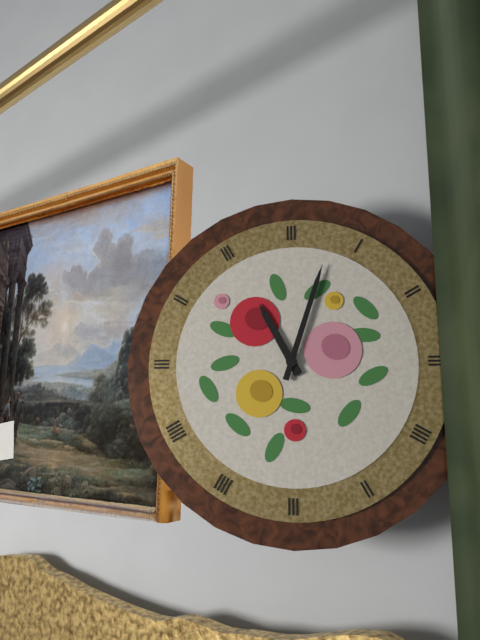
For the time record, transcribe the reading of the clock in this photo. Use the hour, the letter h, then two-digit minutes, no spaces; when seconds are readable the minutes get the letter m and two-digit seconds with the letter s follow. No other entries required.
11h03
